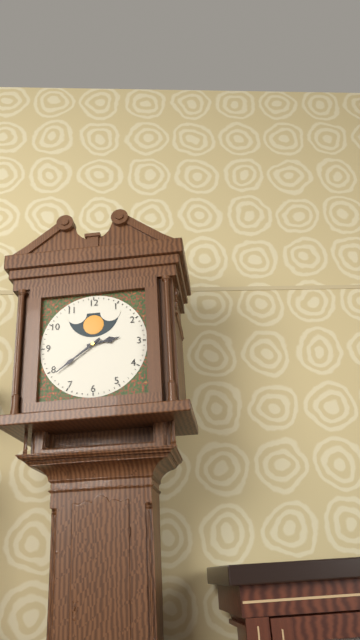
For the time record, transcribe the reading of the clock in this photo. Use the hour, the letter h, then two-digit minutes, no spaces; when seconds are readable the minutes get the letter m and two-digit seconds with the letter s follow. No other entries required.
2h39
